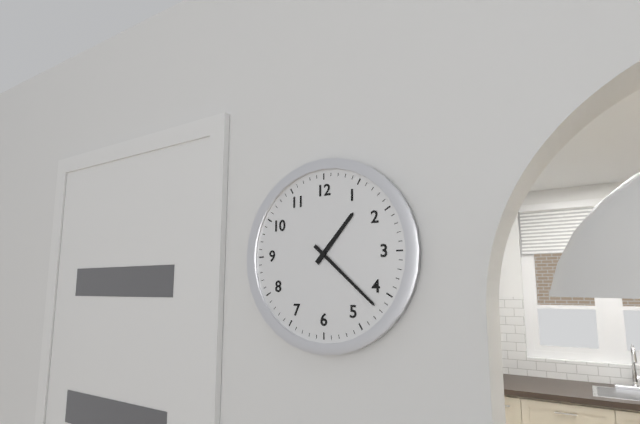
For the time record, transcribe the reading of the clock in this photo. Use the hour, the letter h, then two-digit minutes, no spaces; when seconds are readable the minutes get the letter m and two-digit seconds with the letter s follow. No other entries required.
1h22
